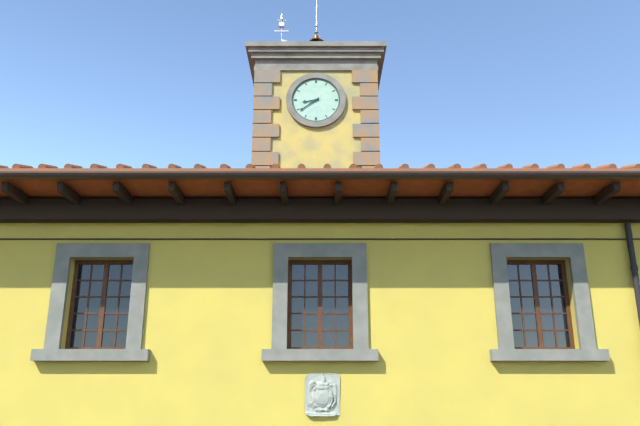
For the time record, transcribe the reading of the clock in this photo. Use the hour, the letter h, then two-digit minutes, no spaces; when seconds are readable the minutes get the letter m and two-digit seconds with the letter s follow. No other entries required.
8h39
